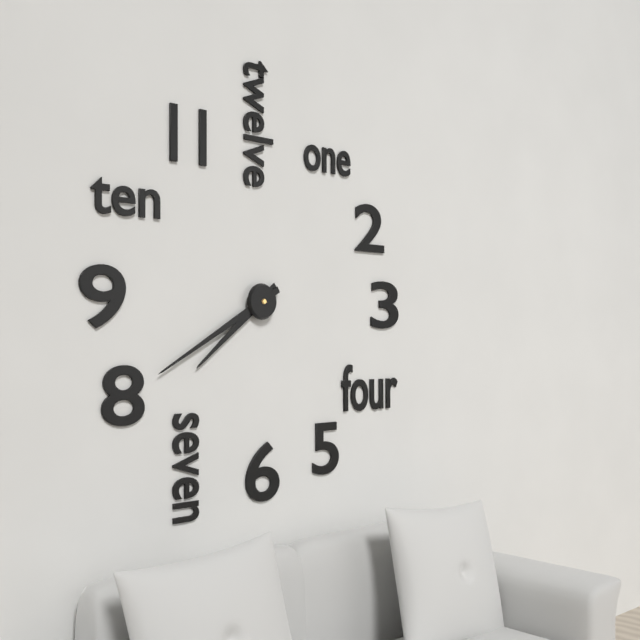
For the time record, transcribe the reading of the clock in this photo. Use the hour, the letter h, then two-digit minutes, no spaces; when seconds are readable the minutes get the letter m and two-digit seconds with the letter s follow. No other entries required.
7h40
